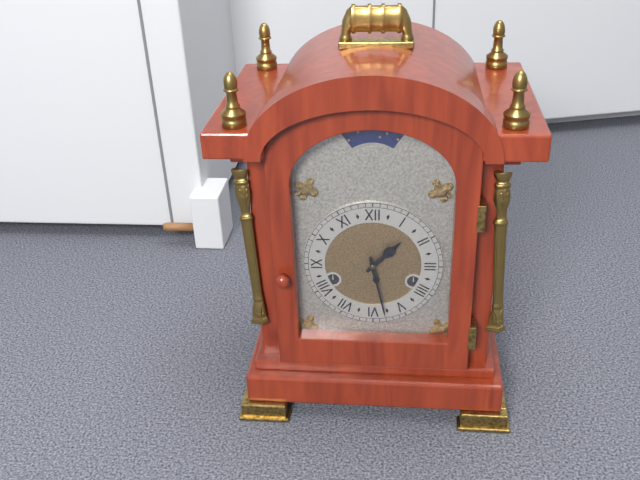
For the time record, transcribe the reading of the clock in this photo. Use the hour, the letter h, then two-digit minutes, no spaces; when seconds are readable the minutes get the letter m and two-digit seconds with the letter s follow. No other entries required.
1h28
